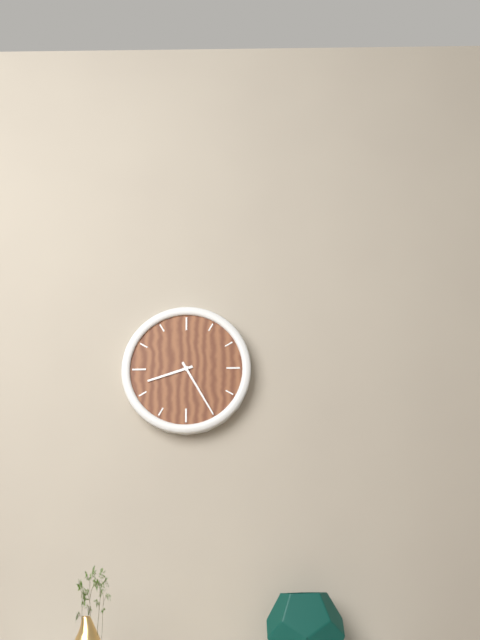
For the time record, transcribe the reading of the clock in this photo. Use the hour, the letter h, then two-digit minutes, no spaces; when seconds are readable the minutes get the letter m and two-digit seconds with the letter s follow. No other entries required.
8h25
